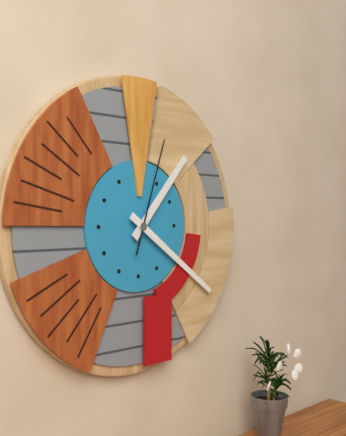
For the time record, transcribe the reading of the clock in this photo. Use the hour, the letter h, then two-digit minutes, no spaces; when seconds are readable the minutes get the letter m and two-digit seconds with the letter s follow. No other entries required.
1h21m03s
